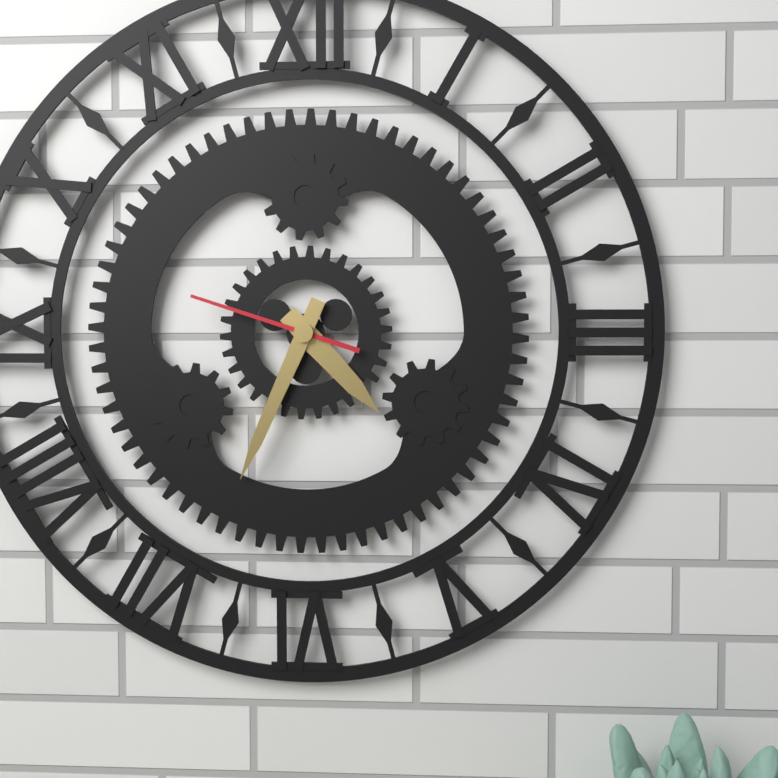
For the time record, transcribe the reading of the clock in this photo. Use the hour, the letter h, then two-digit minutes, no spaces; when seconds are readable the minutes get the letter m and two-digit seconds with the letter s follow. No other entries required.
4h34m48s
